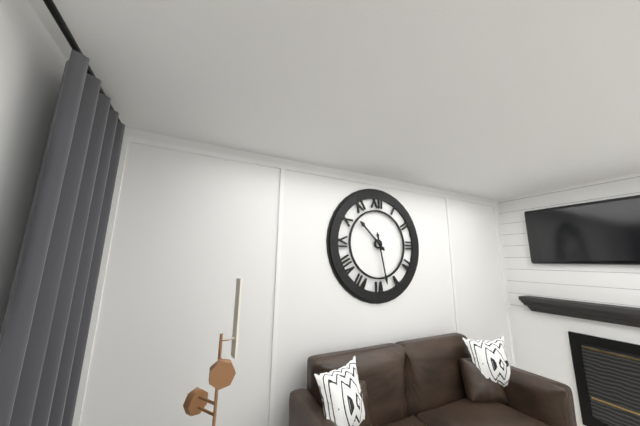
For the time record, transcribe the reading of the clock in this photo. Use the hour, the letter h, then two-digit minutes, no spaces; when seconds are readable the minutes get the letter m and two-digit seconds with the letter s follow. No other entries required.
10h28
